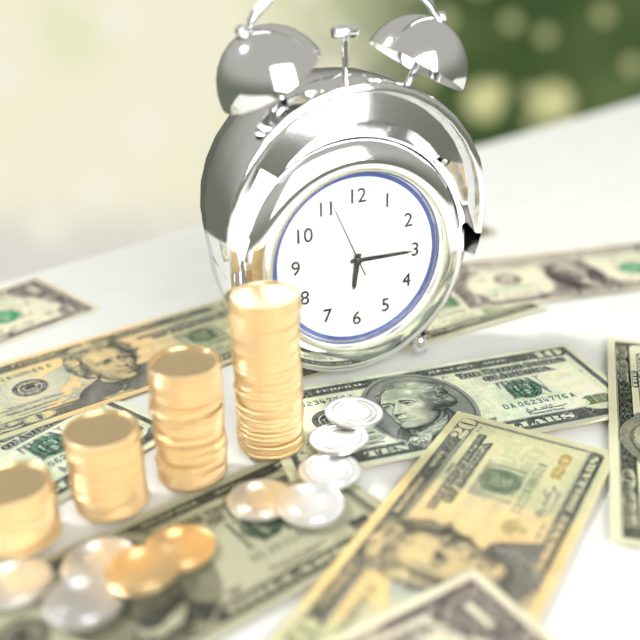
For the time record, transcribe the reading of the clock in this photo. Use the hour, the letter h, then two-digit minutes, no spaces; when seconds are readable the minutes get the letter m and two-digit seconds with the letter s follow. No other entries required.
6h15m56s
